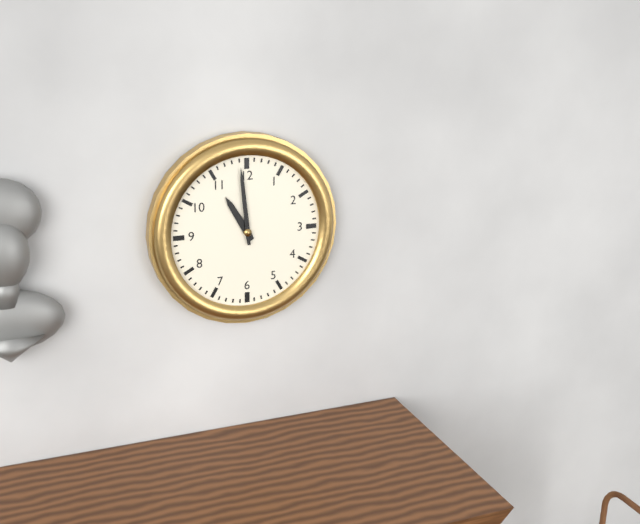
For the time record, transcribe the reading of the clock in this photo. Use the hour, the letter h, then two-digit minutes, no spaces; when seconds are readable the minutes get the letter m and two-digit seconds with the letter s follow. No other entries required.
10h59
